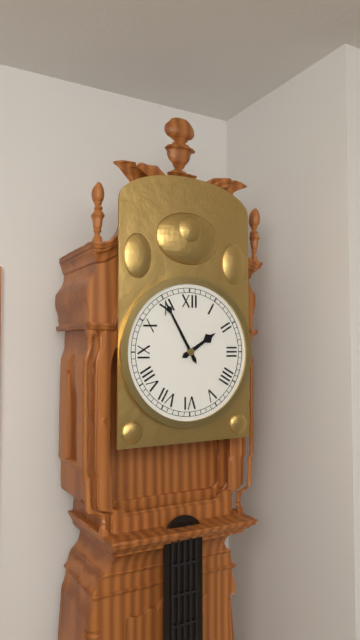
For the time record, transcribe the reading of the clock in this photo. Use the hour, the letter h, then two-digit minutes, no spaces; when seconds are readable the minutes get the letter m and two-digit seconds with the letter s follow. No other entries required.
1h55
